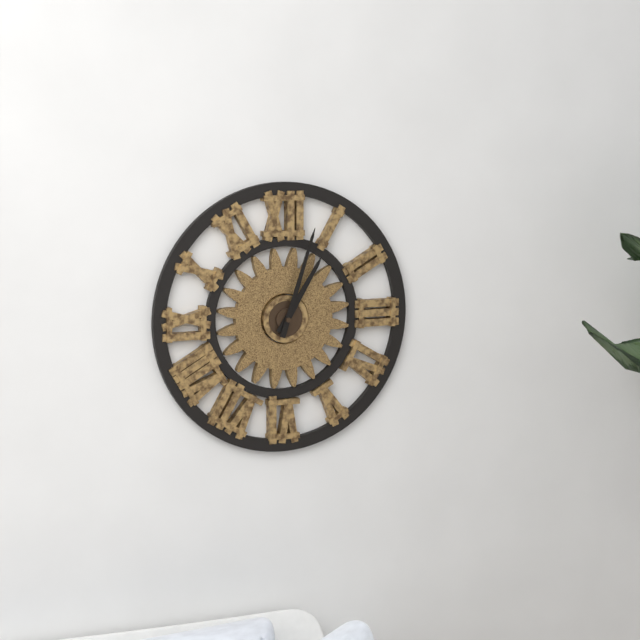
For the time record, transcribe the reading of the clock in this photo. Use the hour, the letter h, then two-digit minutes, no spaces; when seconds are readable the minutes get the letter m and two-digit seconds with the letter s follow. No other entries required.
1h03
